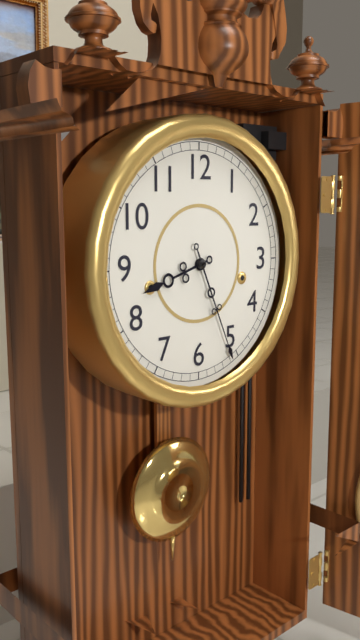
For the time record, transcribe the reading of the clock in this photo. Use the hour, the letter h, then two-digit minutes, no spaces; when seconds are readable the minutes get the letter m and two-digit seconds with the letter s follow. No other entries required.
8h26
